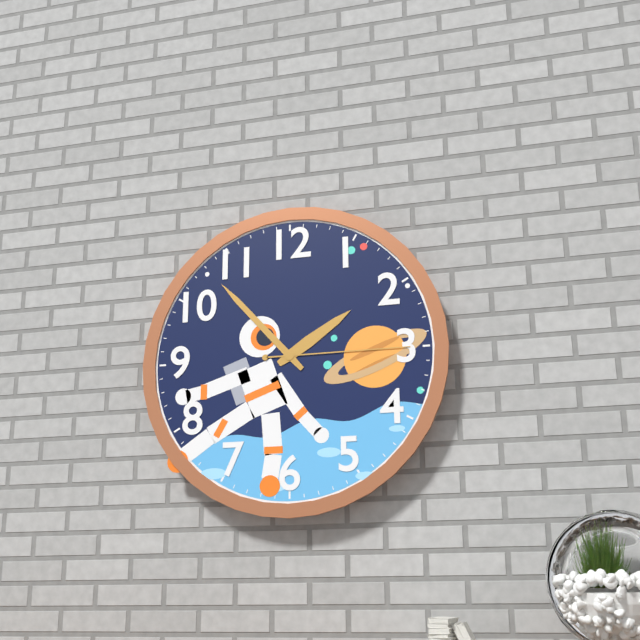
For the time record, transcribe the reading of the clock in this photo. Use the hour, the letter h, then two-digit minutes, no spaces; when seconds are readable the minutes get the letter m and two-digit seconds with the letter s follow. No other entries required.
1h53m15s
